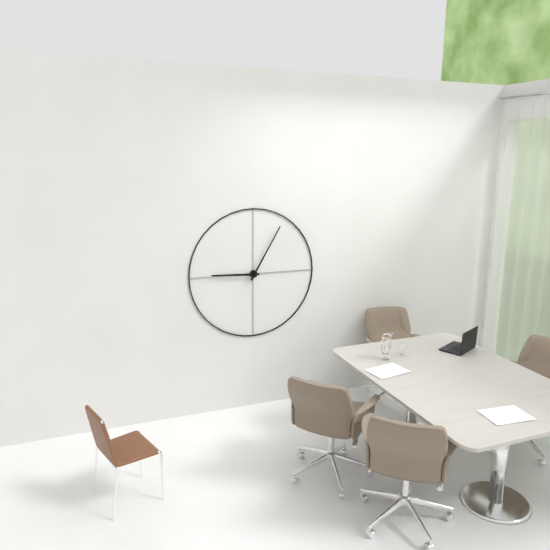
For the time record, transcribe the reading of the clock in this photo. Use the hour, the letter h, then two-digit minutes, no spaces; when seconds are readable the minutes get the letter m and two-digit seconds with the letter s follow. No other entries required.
9h05
